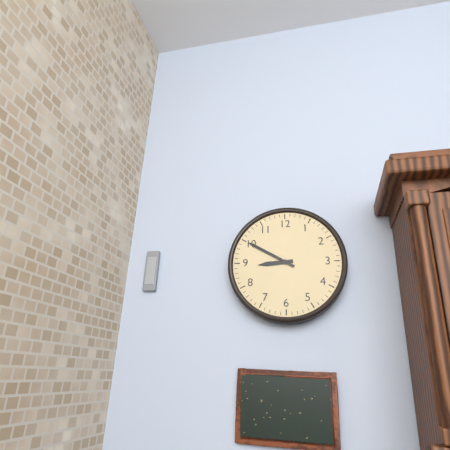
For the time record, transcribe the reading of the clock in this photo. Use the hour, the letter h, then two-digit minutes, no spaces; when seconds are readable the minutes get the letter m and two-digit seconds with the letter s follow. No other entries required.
8h50
